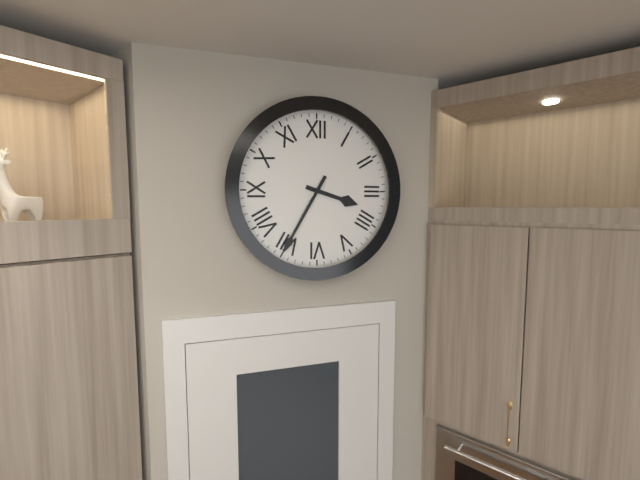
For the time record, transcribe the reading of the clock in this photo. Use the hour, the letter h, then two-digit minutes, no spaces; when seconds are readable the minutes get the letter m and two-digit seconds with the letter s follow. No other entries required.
3h35
